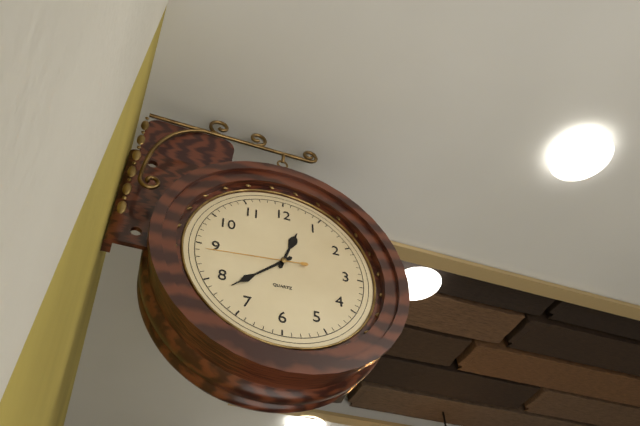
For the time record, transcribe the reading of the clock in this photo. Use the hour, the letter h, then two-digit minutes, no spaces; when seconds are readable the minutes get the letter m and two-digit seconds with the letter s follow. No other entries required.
12h38m44s
